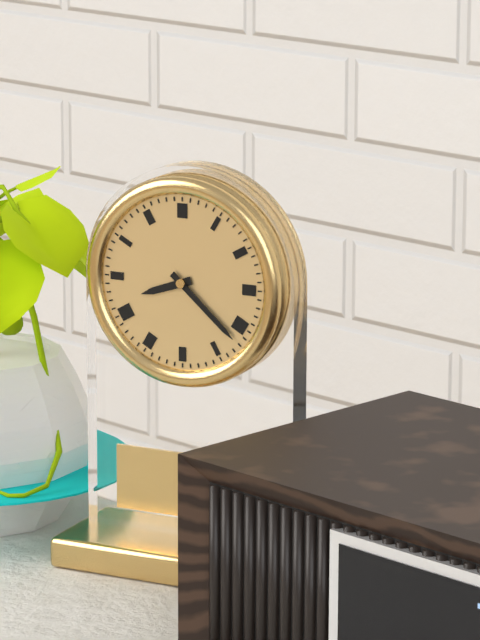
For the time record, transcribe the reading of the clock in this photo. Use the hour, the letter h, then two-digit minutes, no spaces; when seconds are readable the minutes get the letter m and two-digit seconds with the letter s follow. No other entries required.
8h22
